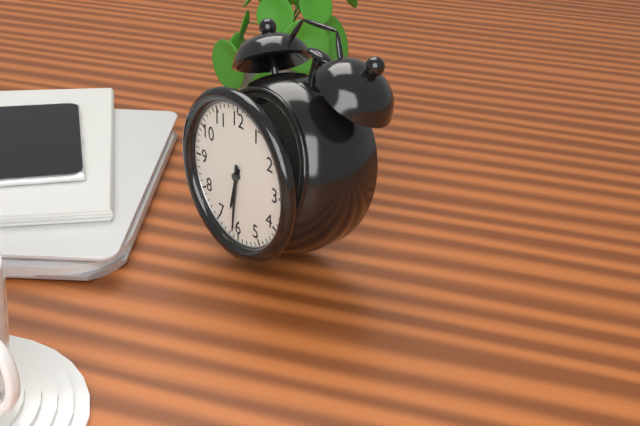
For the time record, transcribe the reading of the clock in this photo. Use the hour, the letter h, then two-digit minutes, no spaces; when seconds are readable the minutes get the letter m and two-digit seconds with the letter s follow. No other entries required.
6h31
